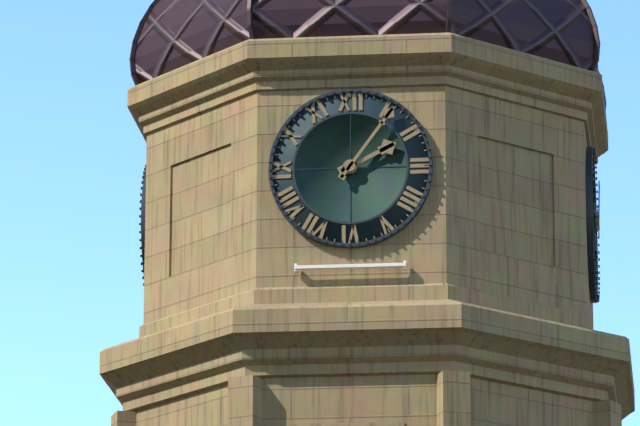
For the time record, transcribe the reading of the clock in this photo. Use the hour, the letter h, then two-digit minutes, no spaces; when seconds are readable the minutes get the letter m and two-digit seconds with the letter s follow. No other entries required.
2h06
